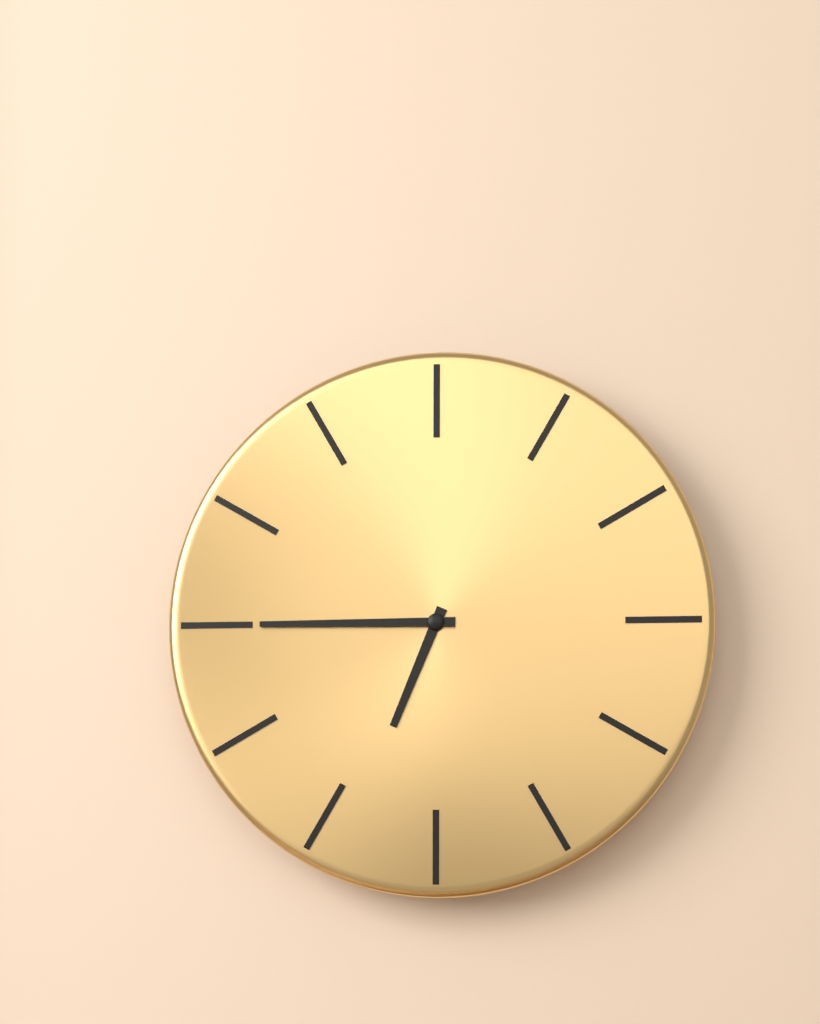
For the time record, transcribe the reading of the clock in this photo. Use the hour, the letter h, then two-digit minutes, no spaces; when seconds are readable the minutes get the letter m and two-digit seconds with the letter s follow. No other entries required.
6h45
